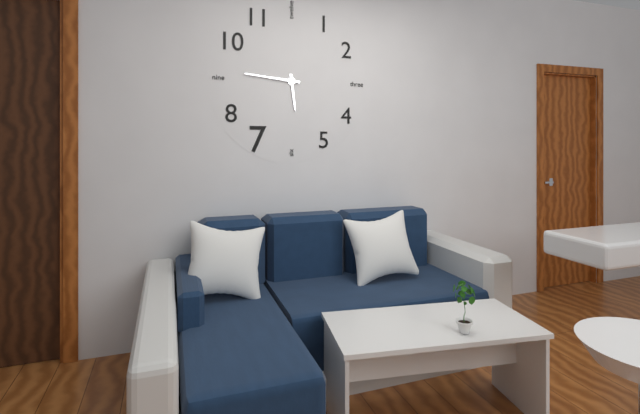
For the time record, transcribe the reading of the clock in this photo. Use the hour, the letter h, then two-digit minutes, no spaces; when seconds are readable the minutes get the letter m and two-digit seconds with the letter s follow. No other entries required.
5h46
